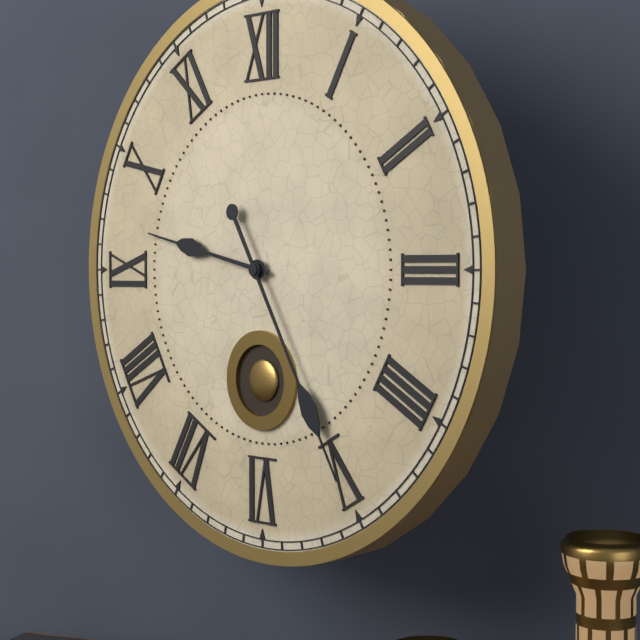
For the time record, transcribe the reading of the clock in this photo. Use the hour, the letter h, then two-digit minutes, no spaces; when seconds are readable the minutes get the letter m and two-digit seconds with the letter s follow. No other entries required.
9h25
